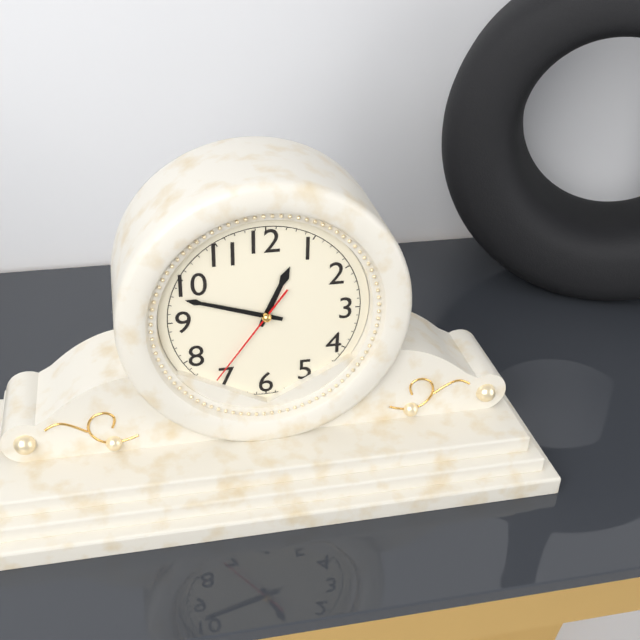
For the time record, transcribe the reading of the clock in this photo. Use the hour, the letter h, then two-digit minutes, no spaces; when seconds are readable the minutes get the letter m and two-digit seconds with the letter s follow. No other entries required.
12h48m36s
